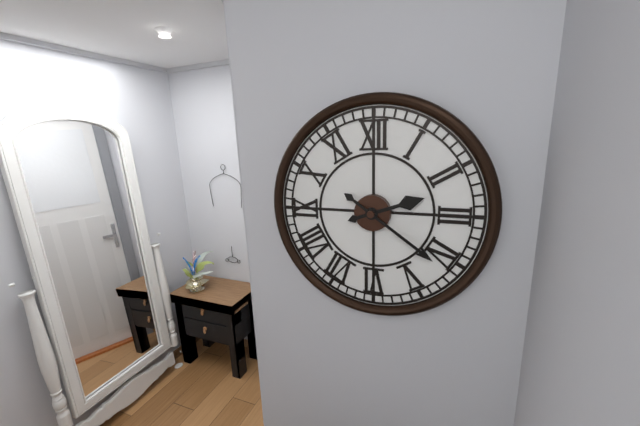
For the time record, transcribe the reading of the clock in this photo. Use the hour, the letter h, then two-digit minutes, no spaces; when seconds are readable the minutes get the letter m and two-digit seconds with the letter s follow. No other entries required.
2h21
